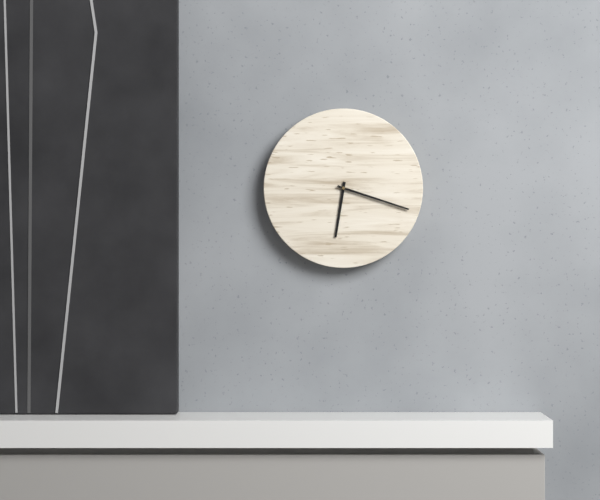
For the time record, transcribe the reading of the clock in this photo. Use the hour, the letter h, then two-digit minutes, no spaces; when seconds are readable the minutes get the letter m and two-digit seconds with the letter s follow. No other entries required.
6h18
